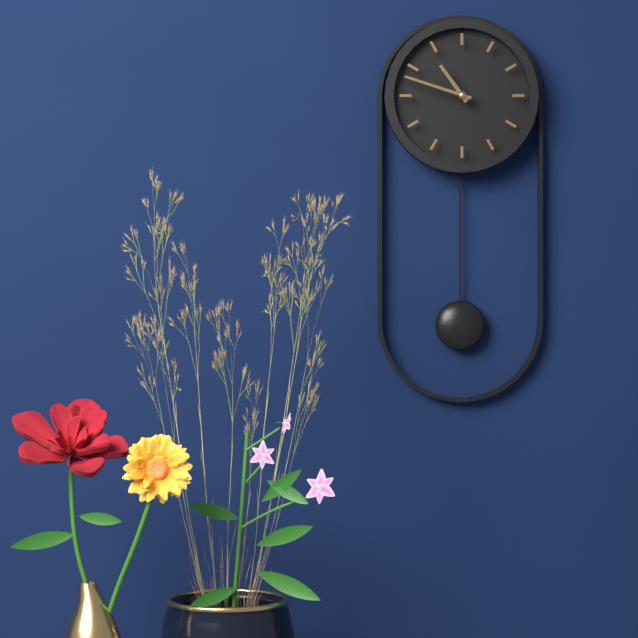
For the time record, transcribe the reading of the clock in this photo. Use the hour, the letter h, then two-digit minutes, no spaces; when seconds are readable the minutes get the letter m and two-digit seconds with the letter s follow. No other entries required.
10h48
